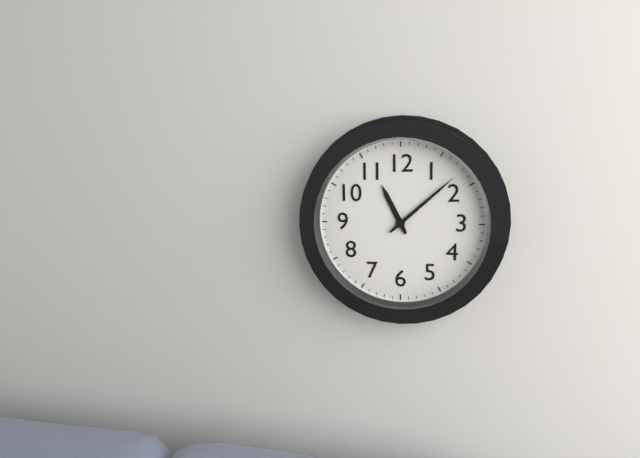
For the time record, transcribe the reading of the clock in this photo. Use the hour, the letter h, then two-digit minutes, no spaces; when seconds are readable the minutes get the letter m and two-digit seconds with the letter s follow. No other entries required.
11h08
